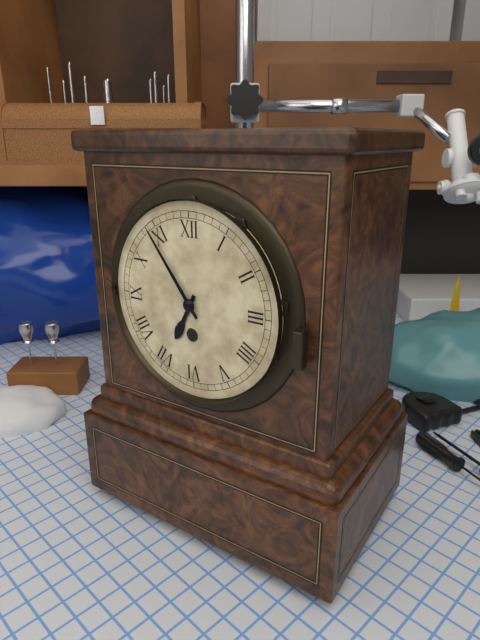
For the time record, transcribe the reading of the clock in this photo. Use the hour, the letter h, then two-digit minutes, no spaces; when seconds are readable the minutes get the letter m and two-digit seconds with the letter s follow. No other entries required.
6h54
